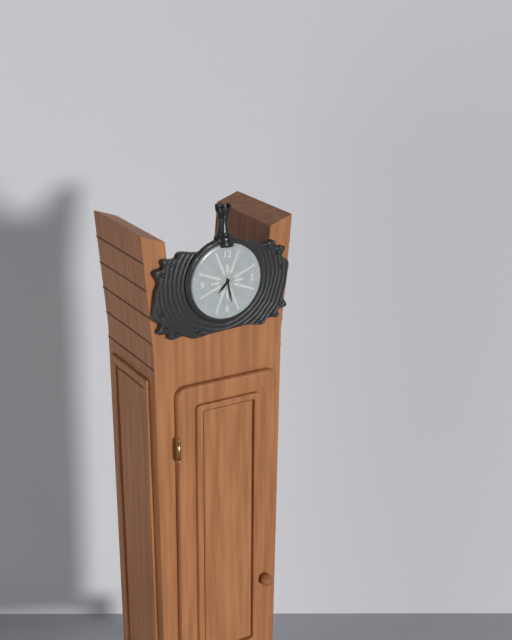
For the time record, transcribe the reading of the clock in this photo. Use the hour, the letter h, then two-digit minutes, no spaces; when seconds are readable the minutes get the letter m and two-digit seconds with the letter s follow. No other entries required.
7h28
